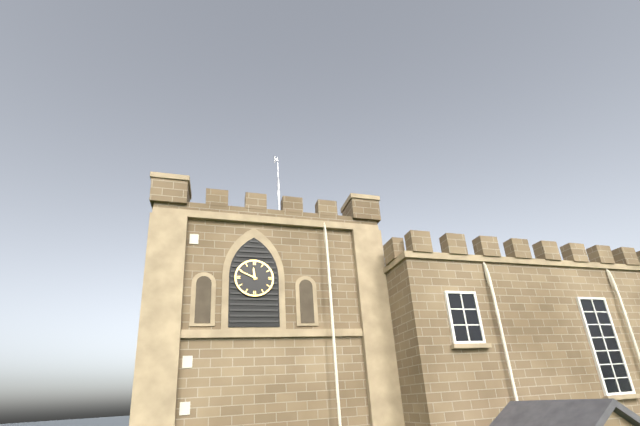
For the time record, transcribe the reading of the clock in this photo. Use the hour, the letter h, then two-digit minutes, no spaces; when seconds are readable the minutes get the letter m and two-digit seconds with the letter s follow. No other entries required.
11h49
